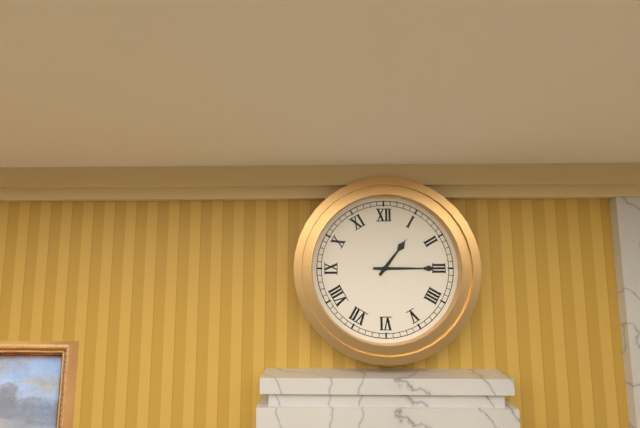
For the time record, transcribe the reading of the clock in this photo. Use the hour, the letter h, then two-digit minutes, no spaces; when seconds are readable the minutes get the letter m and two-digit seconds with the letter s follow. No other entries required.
1h15
